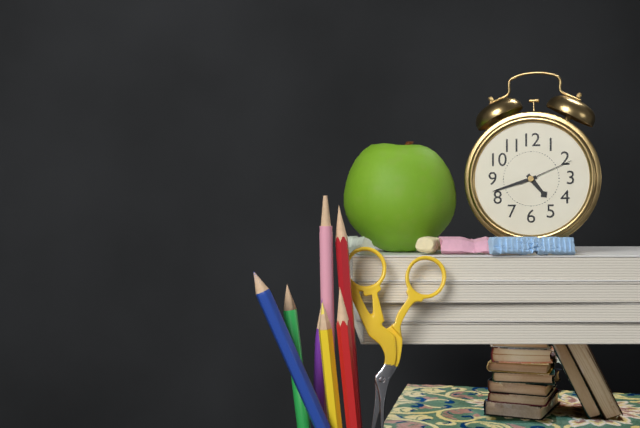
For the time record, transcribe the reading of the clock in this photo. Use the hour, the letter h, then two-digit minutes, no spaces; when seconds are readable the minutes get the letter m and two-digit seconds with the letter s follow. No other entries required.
4h42m11s
